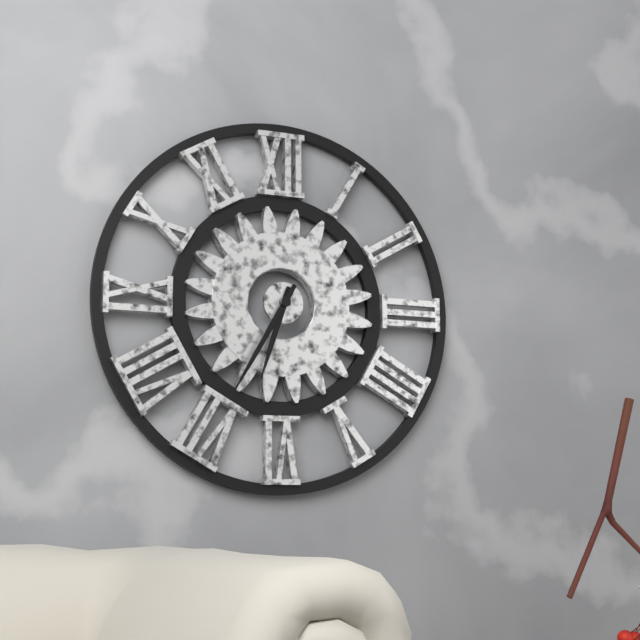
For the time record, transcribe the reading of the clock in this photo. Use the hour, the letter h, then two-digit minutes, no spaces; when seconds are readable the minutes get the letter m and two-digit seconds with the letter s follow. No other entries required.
6h35
